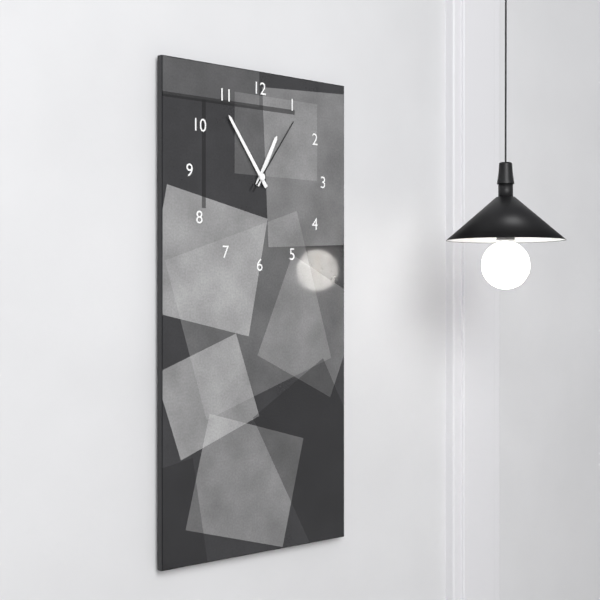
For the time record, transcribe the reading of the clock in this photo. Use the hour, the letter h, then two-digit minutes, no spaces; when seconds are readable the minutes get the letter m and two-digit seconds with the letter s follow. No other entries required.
12h54m06s
